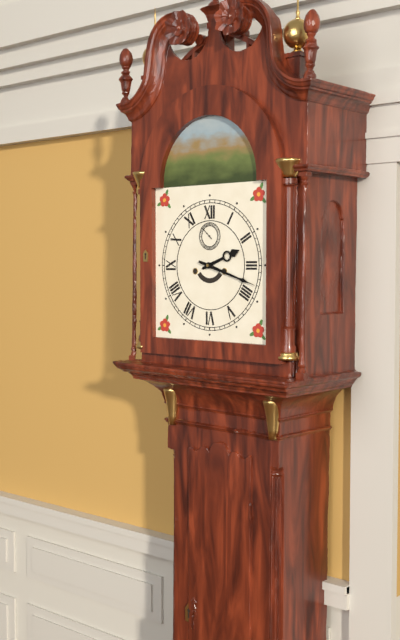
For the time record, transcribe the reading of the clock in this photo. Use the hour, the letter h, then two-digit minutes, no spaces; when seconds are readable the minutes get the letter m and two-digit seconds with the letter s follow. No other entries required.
2h18
